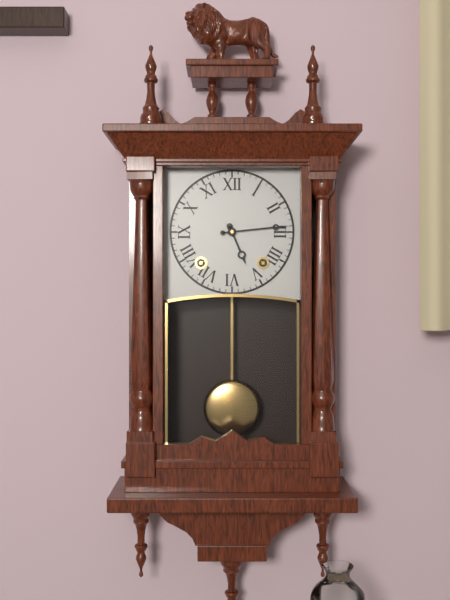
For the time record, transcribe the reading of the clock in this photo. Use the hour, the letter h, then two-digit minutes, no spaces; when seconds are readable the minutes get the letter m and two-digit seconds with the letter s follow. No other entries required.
5h14
